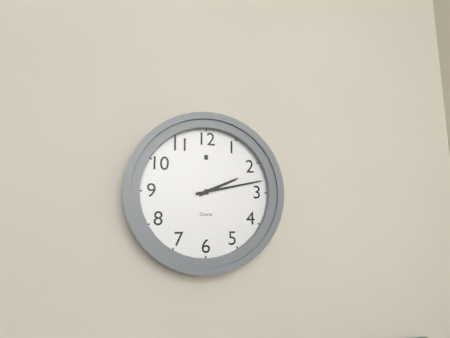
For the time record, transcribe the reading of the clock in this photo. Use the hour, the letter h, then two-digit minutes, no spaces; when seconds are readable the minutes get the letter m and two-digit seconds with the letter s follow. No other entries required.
2h13
